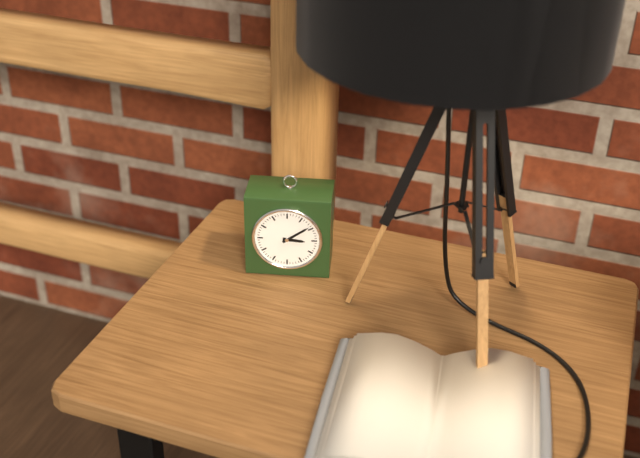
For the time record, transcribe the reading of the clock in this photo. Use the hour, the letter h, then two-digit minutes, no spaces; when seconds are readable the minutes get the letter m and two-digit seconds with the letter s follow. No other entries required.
3h09
